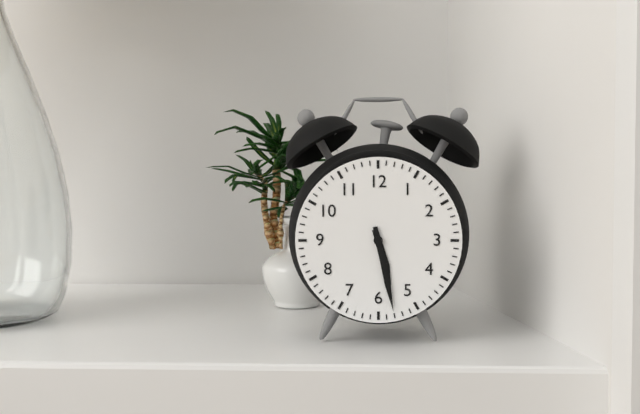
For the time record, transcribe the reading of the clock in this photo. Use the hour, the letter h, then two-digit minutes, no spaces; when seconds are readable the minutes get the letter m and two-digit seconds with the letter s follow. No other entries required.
5h28
